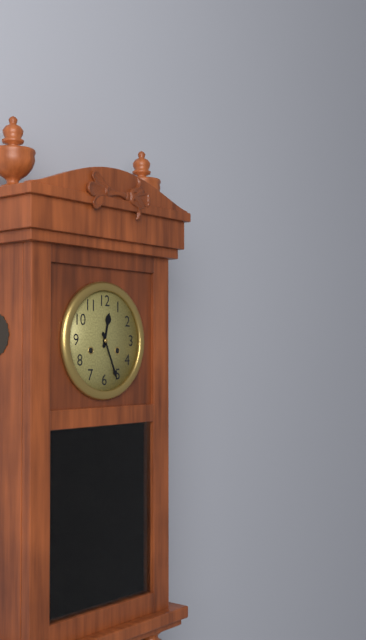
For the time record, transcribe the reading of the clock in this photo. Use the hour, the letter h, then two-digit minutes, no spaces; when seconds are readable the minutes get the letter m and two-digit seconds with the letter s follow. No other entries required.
12h26
